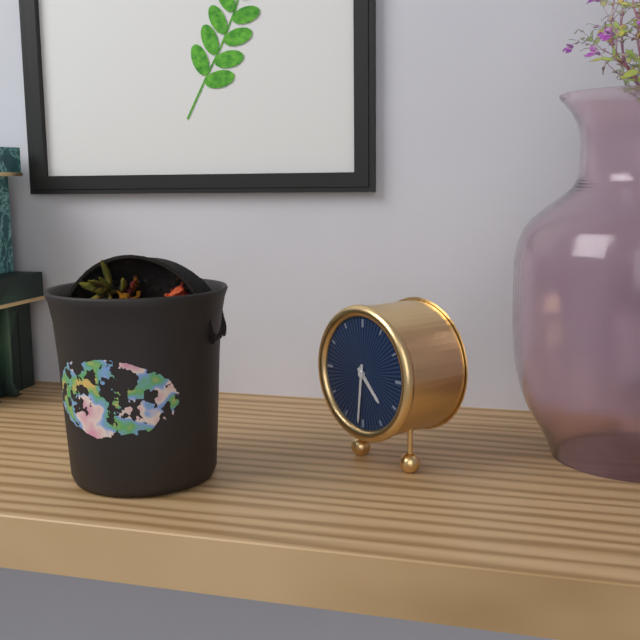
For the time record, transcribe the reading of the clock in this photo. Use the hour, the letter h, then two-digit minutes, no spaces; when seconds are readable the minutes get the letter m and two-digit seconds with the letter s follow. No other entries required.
4h31
